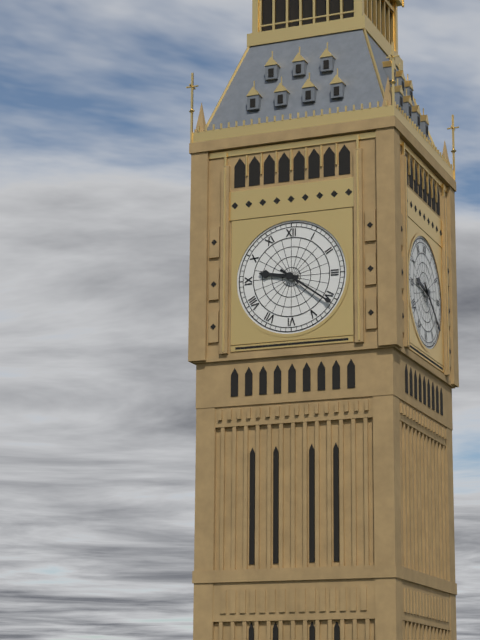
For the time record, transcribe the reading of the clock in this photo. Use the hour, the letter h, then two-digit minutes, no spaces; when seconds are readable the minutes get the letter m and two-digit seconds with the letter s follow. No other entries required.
9h21
